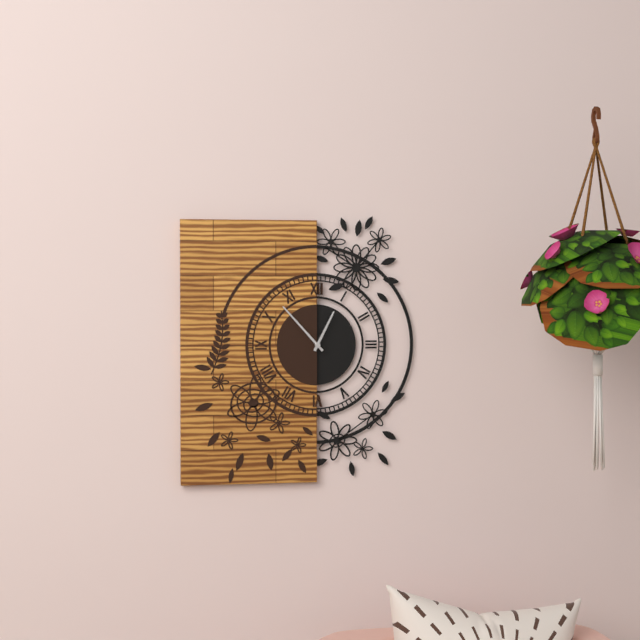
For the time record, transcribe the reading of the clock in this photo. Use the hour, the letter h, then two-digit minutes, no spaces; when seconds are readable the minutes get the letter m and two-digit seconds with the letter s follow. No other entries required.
12h53
